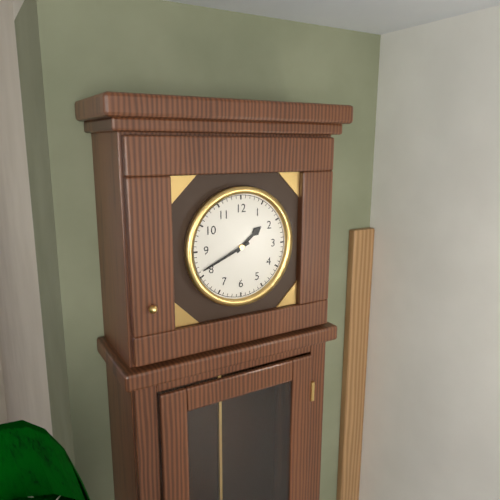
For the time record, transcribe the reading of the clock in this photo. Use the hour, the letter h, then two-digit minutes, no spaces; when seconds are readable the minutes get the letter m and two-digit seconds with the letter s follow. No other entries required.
1h41
